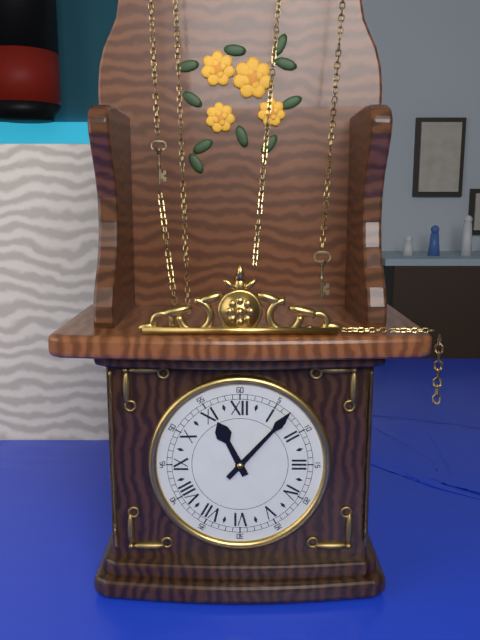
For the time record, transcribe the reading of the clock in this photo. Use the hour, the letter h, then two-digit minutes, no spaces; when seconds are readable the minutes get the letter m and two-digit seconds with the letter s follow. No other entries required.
11h07
